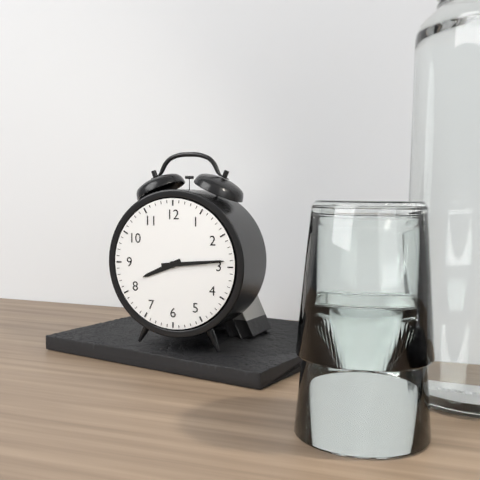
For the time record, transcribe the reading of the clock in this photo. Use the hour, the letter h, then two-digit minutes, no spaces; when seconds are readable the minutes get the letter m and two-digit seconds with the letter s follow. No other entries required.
8h14
